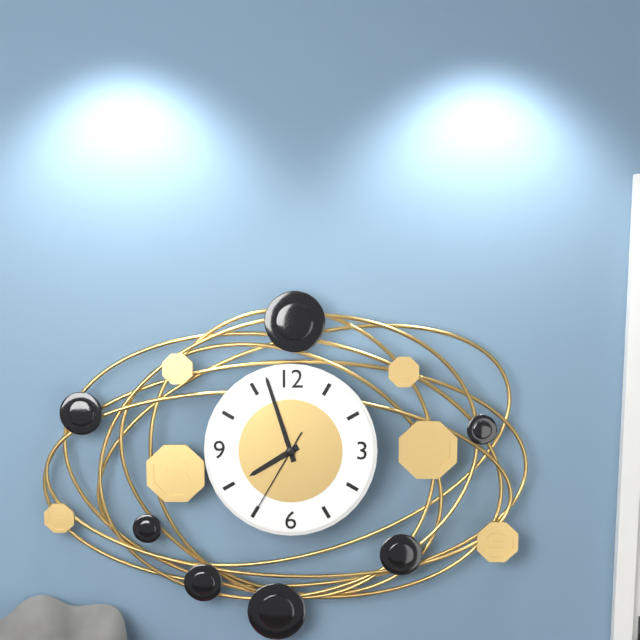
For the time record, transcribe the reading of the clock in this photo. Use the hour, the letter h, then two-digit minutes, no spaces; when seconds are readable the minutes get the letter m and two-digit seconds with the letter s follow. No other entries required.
7h57m35s
